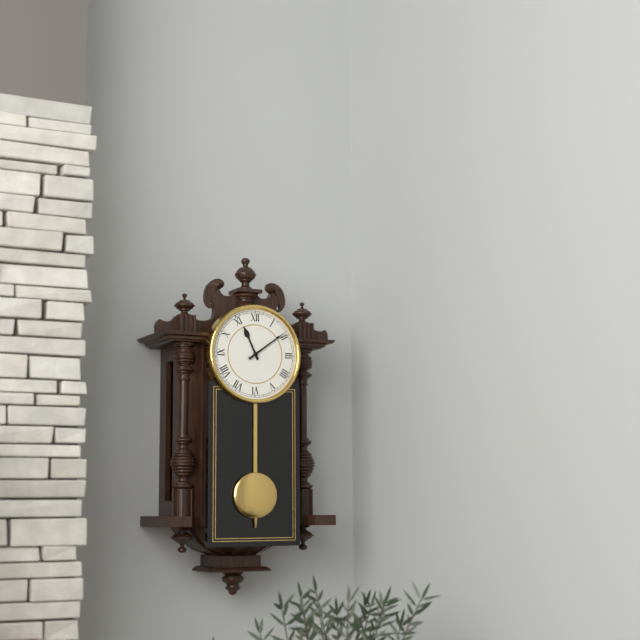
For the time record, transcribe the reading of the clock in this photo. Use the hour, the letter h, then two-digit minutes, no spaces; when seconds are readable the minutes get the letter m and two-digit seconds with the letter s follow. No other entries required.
11h09
